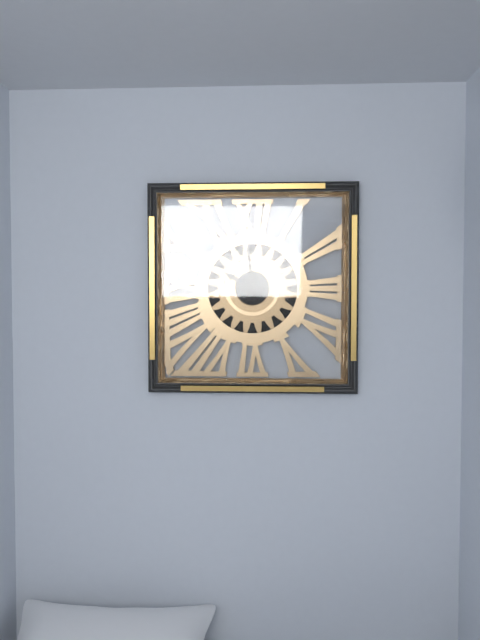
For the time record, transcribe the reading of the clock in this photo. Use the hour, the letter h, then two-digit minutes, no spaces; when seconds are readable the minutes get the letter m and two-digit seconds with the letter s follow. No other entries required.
9h59
